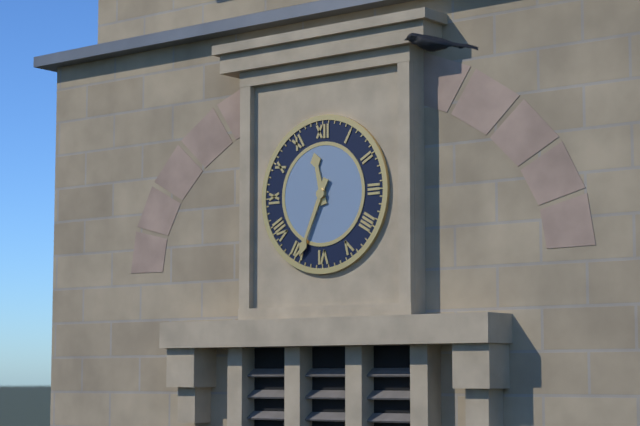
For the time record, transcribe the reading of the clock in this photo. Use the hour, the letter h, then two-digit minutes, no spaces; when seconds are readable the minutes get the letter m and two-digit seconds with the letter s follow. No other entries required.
11h34
